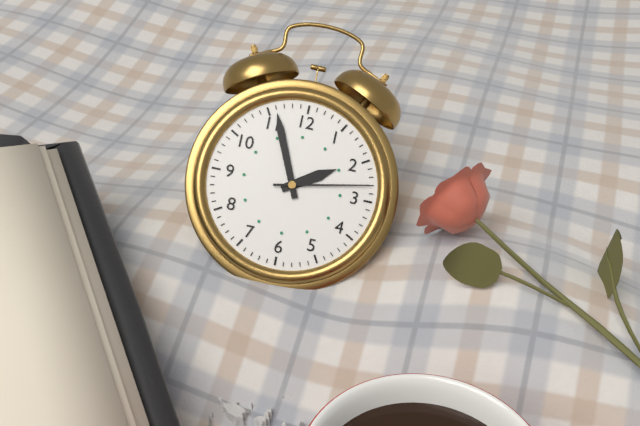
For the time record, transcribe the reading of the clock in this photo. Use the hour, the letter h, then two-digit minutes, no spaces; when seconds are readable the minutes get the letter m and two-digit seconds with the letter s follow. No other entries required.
1h56m13s
